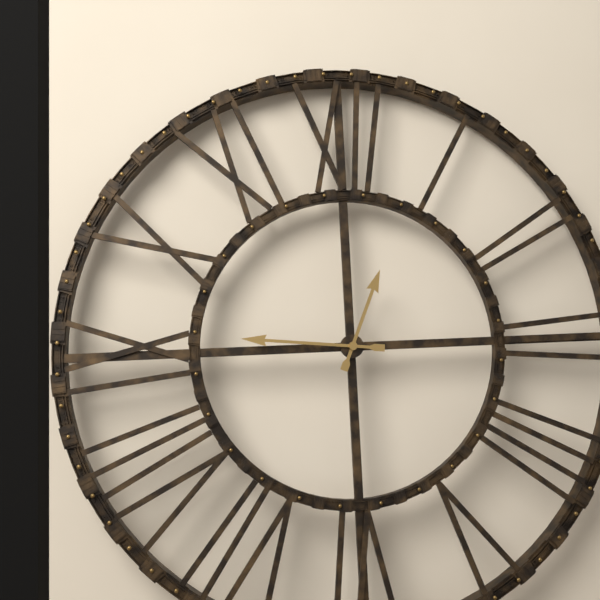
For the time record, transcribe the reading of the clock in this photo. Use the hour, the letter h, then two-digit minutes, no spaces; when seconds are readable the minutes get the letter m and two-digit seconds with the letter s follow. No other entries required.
12h46
